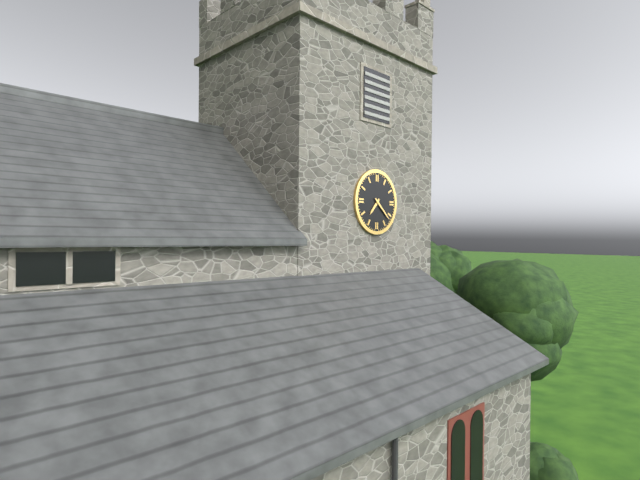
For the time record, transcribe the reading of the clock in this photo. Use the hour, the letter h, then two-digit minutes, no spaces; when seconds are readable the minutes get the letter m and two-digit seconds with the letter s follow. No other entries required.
7h22
